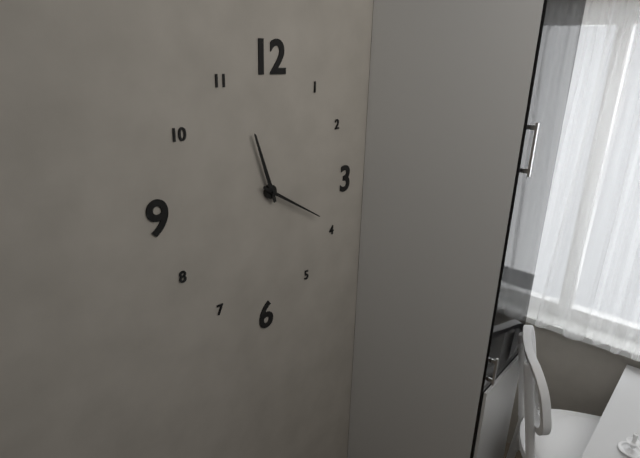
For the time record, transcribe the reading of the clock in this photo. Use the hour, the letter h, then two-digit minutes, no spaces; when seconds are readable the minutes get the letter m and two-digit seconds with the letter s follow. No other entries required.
11h20
